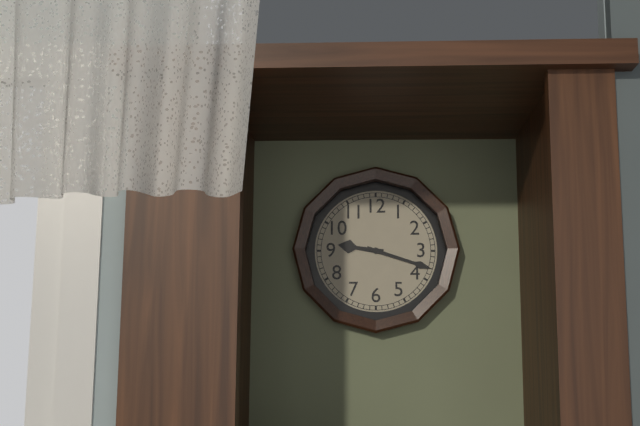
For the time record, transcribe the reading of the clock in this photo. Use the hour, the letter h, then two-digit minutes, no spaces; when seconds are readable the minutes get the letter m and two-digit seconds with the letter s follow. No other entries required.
9h18
